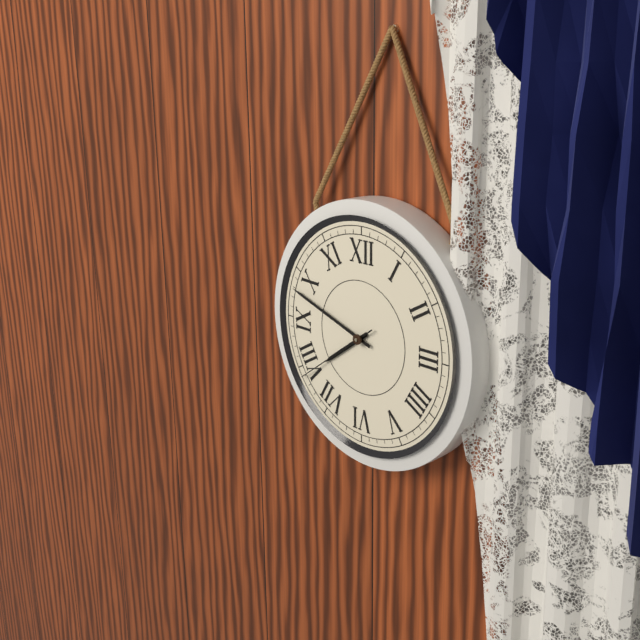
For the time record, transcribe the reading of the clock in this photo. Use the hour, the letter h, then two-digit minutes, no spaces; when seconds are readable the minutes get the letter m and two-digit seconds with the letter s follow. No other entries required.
7h48m39s
